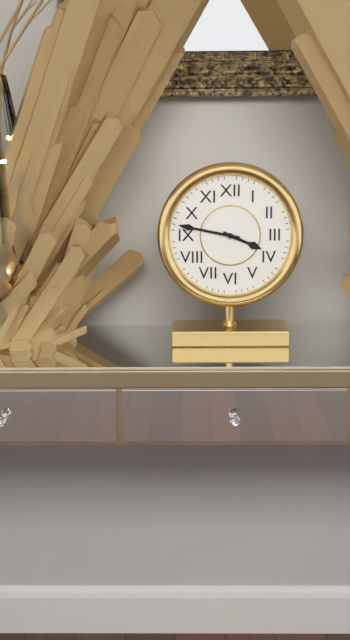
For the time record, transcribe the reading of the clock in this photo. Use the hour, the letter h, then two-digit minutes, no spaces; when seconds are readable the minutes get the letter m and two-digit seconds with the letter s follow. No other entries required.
3h47
